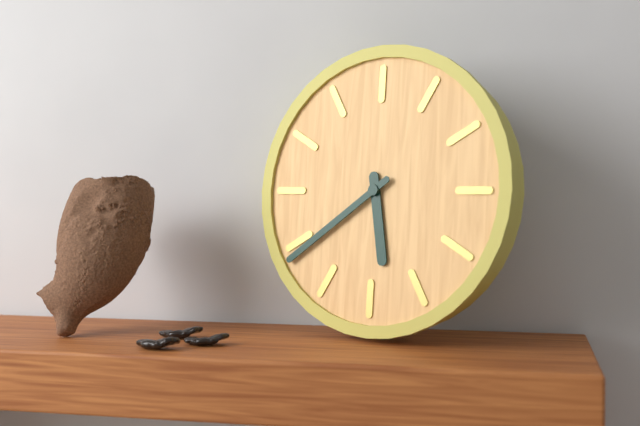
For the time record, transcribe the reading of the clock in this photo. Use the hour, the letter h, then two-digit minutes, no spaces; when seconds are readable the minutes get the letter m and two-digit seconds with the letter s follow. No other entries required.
5h39
